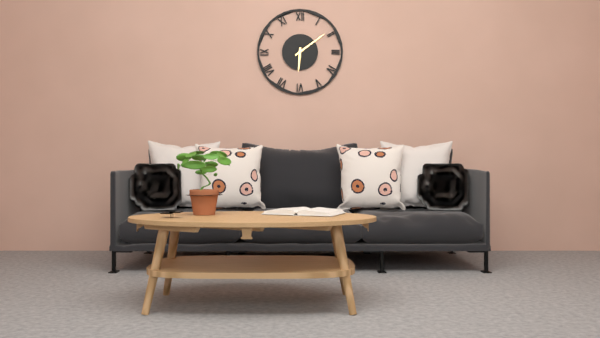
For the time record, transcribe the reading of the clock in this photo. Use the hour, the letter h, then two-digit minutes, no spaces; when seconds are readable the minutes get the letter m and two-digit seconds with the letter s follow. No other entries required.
6h09
